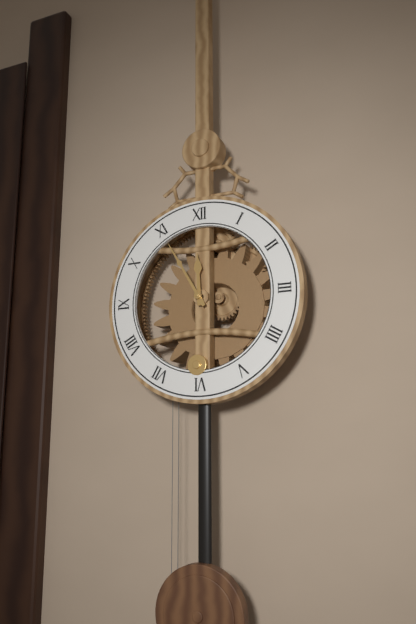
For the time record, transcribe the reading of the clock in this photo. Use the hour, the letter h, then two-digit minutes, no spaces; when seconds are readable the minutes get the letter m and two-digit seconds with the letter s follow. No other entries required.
11h55
